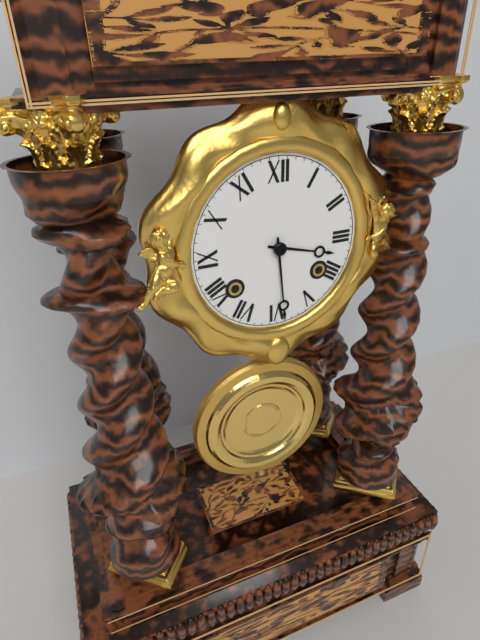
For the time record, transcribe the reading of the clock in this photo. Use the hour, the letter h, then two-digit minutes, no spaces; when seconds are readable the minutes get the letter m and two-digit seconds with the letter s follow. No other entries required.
3h29
